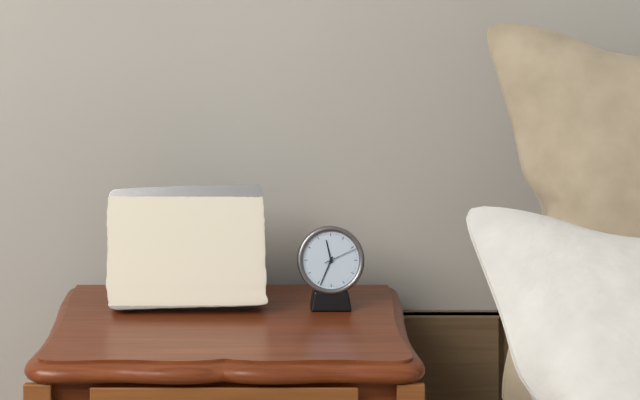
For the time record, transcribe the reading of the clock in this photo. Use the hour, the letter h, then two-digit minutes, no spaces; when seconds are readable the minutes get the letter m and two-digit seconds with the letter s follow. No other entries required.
11h34
